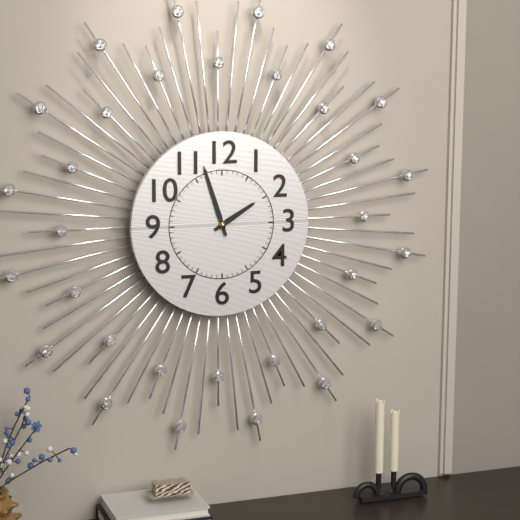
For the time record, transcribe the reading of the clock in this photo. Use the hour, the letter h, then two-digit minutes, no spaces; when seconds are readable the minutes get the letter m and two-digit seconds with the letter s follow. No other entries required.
1h57
